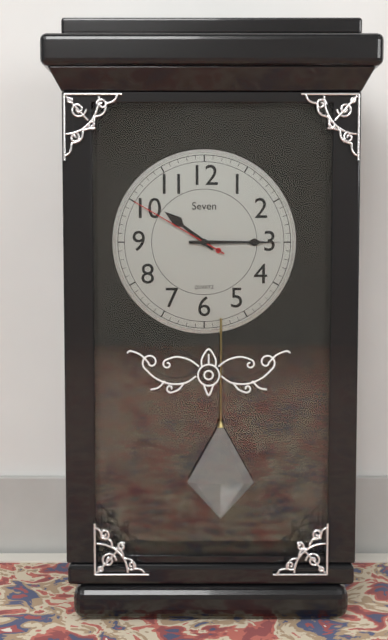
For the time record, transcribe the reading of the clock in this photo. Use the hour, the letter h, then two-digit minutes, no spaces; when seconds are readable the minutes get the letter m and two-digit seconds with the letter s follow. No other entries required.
10h15m50s
